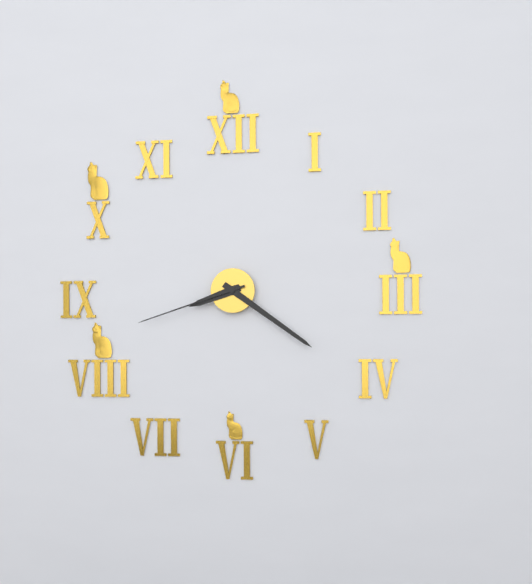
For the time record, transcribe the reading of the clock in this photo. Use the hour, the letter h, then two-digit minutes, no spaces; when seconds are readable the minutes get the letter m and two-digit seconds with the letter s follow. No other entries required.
8h21m42s
